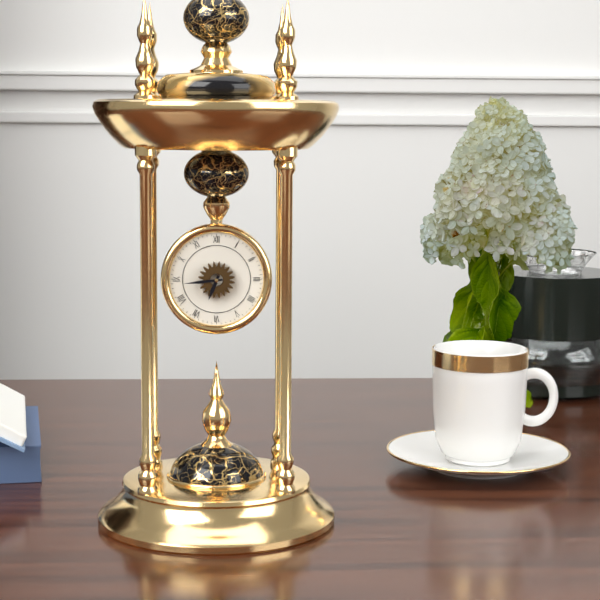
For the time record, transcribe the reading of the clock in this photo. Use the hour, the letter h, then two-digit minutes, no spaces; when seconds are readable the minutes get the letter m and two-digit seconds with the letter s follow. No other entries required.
6h44
